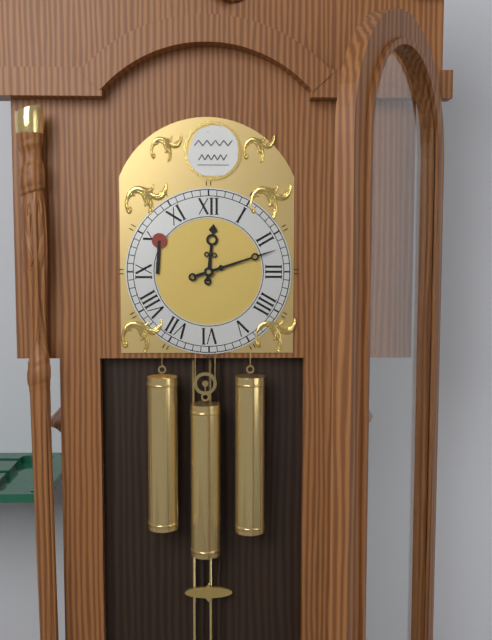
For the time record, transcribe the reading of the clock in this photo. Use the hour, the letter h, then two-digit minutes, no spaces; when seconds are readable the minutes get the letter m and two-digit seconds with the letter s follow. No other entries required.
12h12
